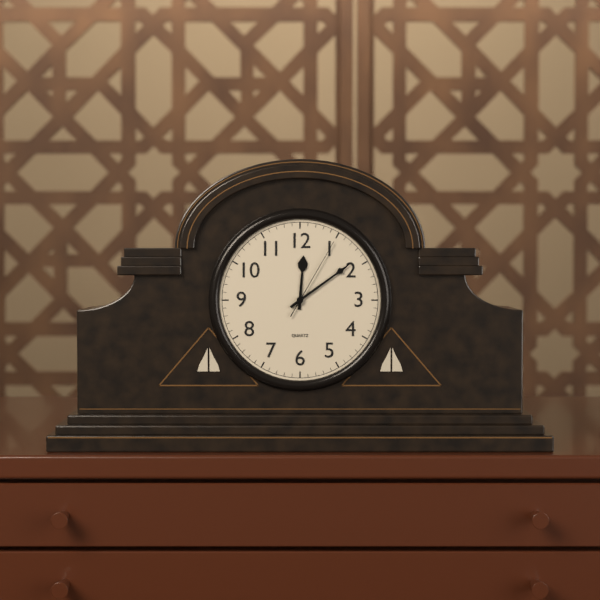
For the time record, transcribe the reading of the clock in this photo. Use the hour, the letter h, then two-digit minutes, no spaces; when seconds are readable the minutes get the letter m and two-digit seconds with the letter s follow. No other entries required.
12h09m05s
